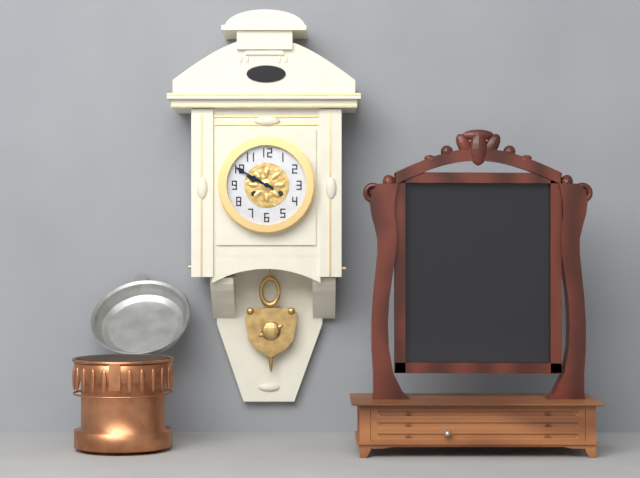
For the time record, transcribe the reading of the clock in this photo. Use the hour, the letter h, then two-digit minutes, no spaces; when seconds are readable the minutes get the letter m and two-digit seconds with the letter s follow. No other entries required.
9h50
